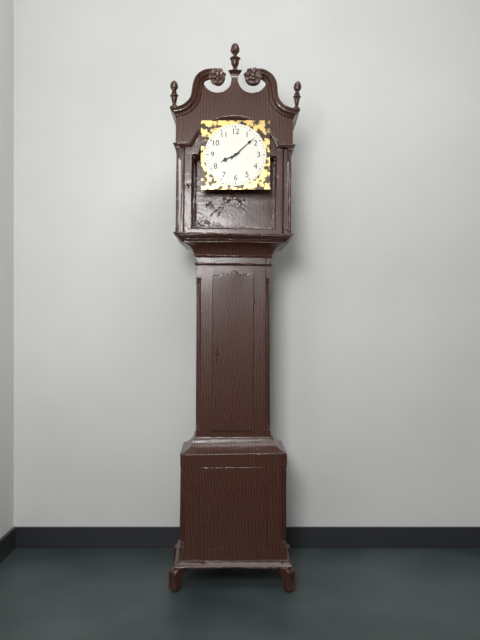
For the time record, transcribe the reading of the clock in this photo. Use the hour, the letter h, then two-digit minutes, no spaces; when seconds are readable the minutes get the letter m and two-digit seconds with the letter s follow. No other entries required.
8h08
